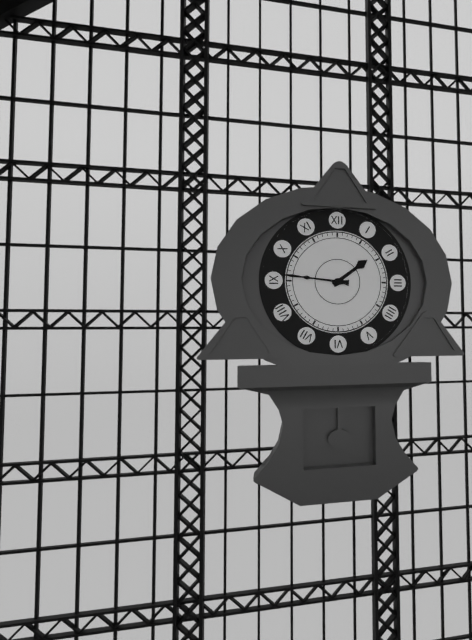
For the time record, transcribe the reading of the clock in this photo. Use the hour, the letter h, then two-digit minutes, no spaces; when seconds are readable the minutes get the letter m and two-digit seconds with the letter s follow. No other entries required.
1h46
